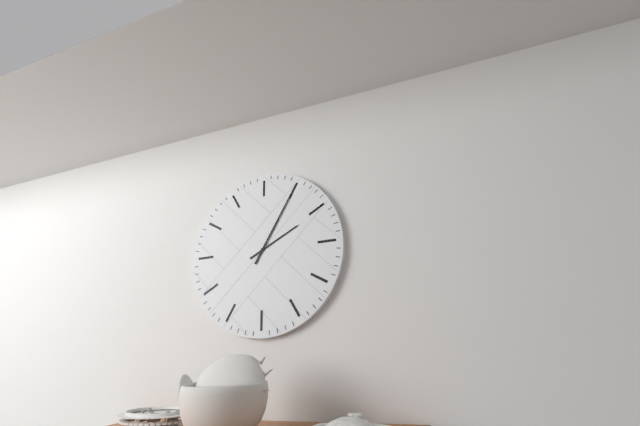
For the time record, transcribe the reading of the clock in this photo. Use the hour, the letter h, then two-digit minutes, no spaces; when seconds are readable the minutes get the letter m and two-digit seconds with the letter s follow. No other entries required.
2h05
